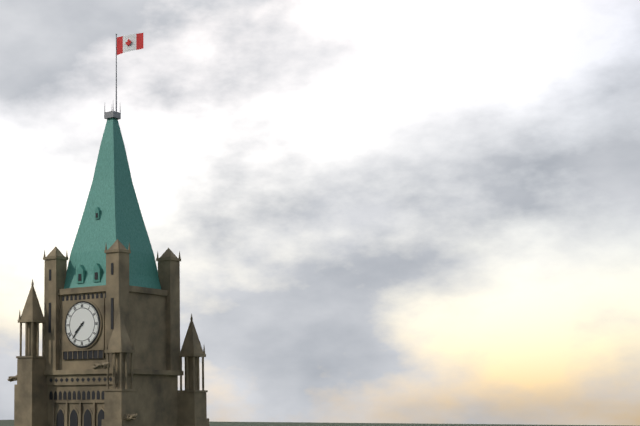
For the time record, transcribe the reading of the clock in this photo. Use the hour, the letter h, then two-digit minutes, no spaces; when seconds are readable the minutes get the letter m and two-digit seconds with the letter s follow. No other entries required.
7h37
